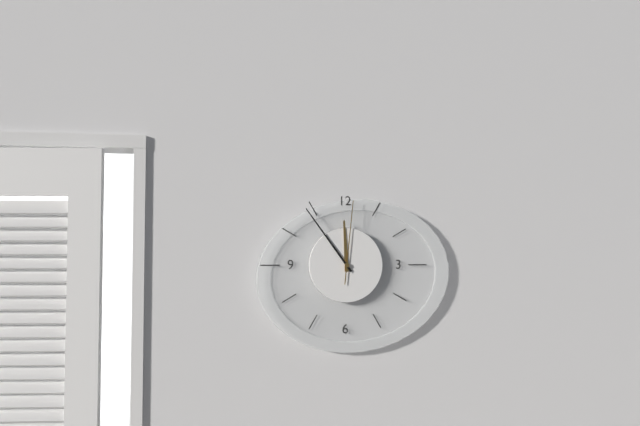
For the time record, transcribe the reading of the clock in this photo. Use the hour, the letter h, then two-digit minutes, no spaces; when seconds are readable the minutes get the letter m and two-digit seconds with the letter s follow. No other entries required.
11h54m01s
